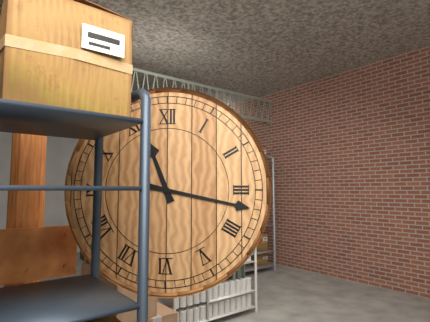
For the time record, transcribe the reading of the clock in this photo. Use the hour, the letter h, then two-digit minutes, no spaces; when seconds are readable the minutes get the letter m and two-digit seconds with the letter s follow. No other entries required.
11h17
